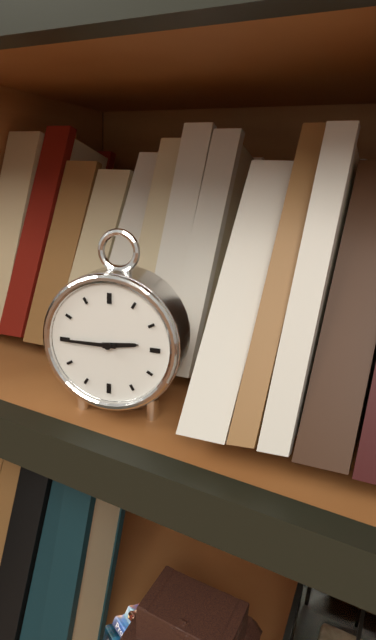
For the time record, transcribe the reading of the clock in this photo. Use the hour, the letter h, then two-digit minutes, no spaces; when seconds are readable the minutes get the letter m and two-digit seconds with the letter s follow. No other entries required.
2h45
